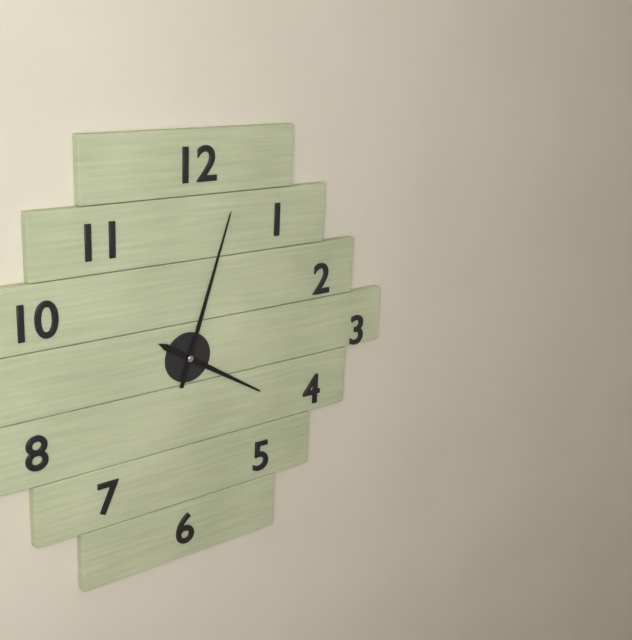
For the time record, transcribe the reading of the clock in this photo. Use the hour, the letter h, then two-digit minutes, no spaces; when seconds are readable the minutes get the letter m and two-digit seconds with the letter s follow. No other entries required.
4h03
